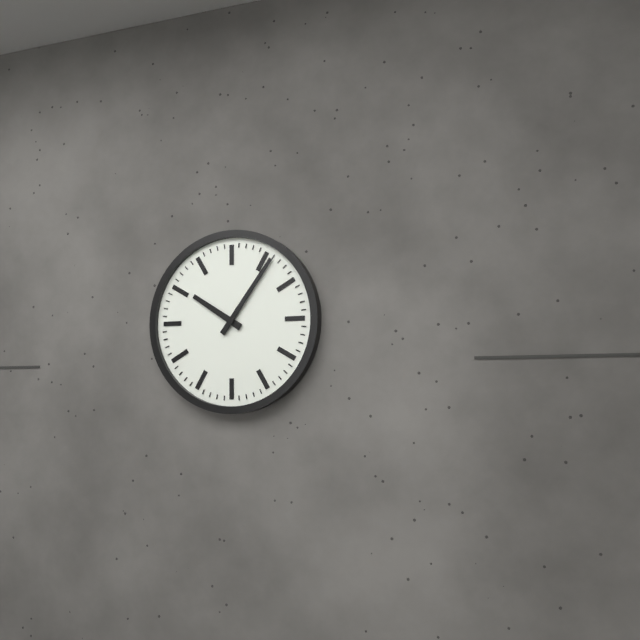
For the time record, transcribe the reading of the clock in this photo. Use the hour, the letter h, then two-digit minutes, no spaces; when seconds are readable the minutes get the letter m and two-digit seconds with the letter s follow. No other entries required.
10h06
